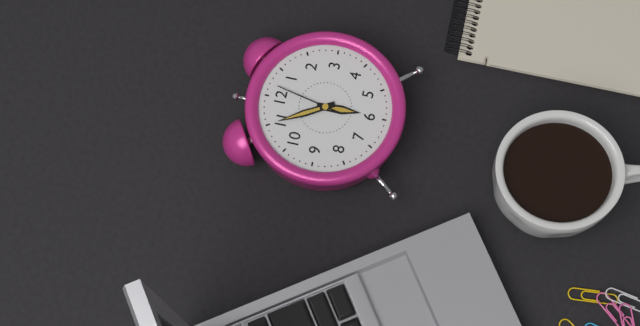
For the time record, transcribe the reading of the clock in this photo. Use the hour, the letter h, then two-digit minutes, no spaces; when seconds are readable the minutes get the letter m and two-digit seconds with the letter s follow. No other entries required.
5h55m02s
